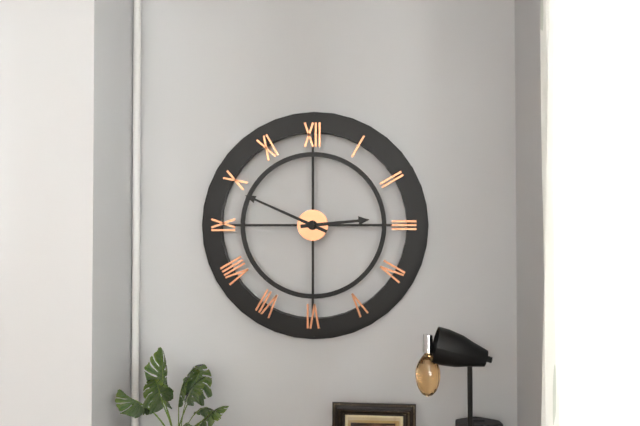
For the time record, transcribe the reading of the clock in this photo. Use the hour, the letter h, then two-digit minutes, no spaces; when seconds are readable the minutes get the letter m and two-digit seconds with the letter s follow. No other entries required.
2h49
